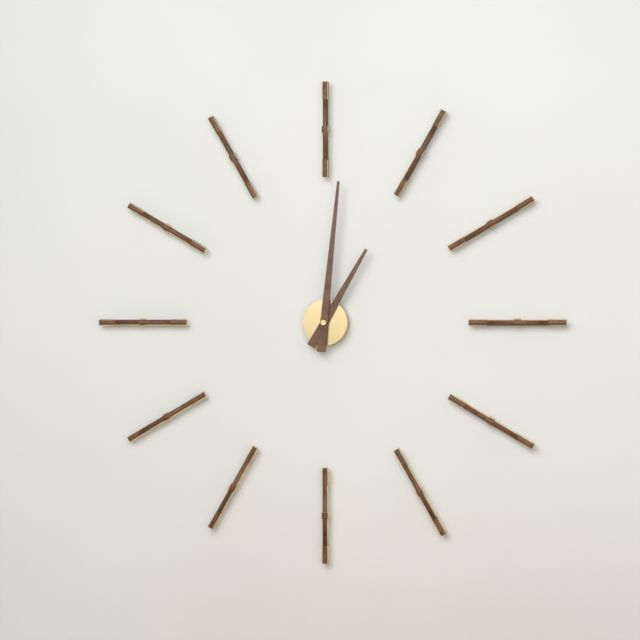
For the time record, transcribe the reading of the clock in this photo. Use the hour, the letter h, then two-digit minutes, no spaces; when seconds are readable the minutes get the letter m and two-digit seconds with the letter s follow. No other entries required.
1h01
